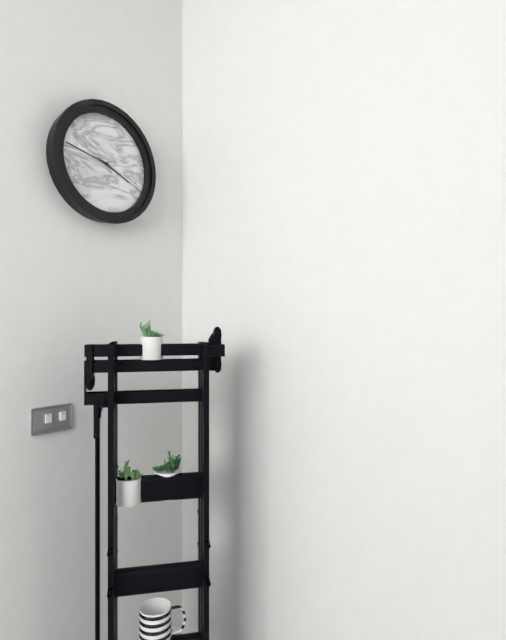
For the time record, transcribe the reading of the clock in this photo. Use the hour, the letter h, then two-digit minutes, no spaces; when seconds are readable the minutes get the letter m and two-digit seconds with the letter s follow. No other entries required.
3h47m19s
